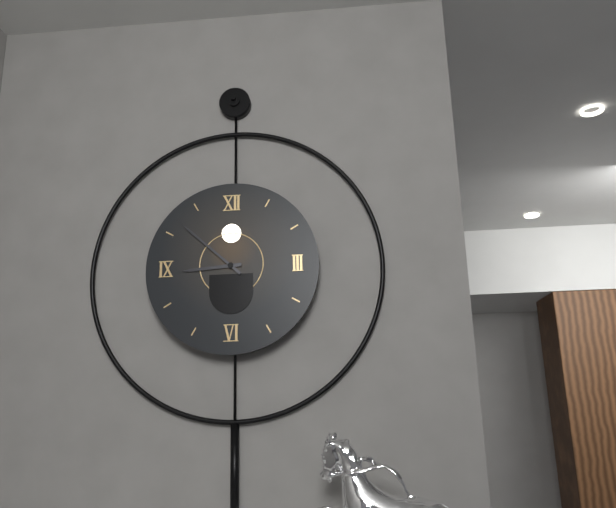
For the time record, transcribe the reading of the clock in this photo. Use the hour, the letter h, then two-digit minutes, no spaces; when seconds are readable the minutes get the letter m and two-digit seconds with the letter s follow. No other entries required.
8h52
